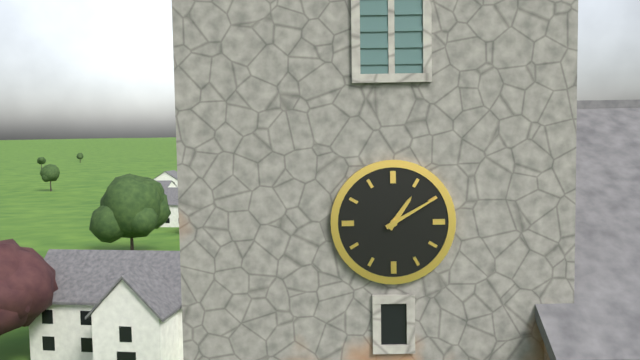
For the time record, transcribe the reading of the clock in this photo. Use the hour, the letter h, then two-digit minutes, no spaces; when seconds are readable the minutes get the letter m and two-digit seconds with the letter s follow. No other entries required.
1h10
